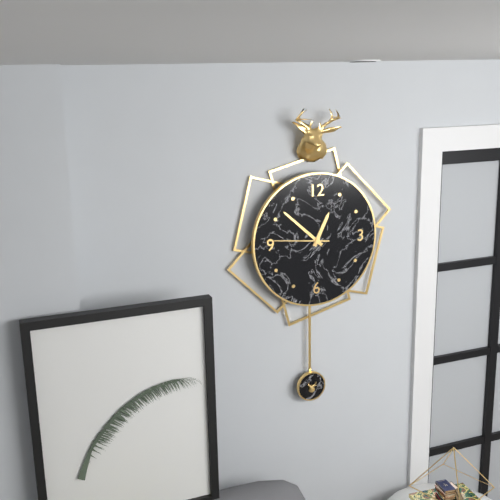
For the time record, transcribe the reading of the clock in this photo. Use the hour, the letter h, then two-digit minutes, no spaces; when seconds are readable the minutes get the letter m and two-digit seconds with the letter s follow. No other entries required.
12h52m46s
